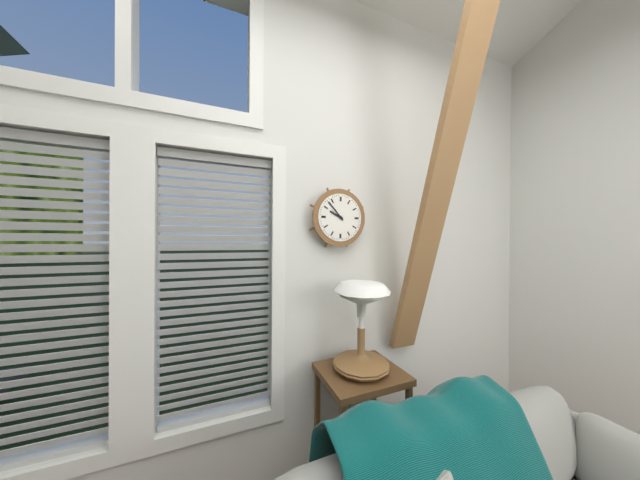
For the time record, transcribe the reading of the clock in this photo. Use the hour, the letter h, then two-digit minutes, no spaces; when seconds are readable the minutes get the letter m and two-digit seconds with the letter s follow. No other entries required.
9h53
